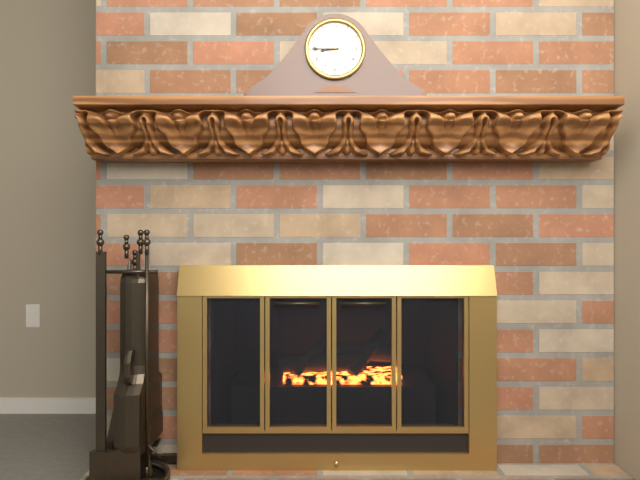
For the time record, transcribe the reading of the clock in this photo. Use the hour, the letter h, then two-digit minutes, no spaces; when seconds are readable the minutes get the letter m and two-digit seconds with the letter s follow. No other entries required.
8h45
